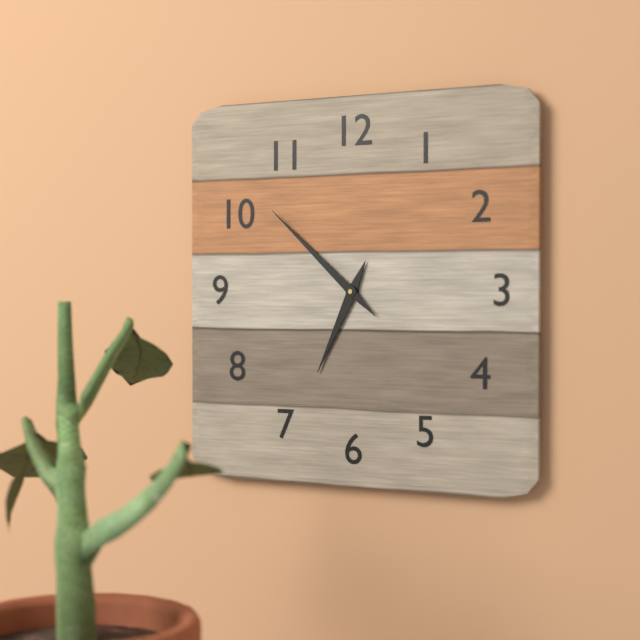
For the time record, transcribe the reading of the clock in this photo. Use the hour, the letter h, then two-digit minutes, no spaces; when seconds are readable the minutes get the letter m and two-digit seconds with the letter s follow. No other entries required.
6h52
